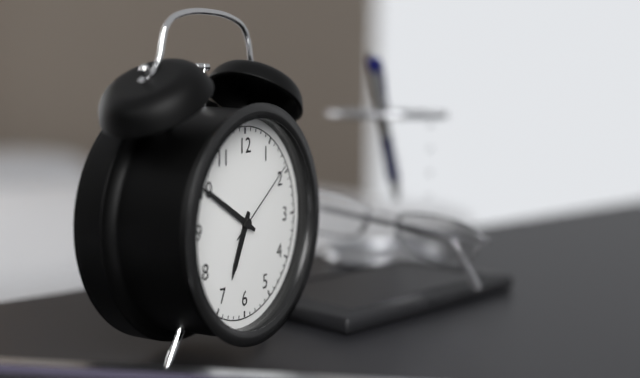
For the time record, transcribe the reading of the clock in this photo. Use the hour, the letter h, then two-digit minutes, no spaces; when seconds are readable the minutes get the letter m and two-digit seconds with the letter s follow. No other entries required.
6h50m09s
